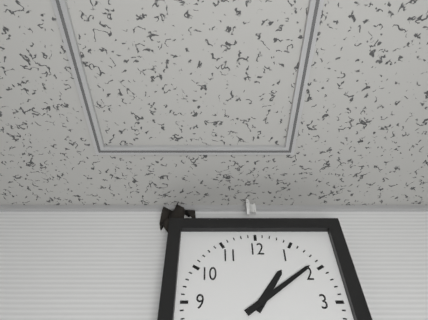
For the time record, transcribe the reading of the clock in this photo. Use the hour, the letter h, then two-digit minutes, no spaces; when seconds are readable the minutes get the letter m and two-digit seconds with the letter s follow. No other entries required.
1h09
